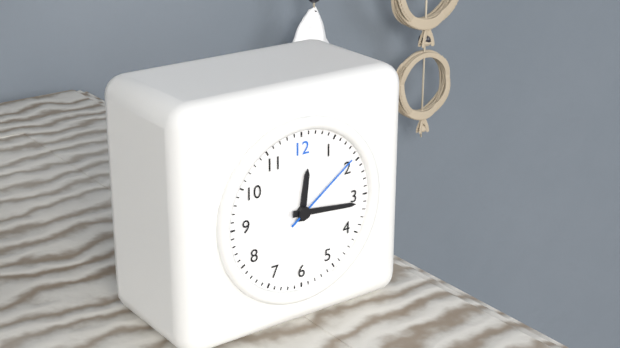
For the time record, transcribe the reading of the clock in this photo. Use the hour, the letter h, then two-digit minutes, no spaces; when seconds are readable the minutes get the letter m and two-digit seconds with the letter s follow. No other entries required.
12h16m09s
